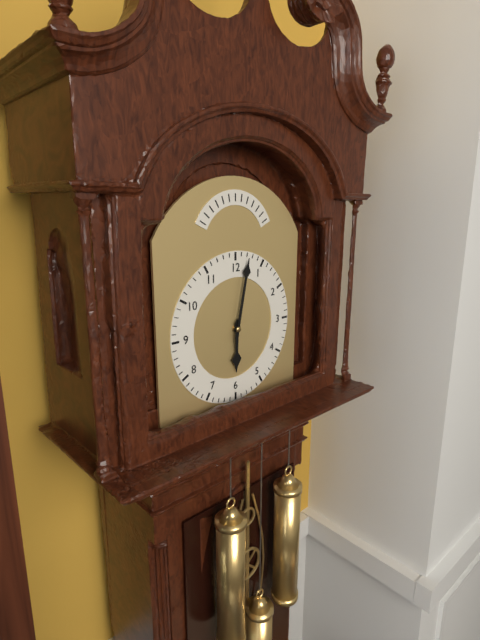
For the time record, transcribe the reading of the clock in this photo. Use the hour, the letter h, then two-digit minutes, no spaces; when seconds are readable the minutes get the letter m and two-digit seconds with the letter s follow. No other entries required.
6h02
